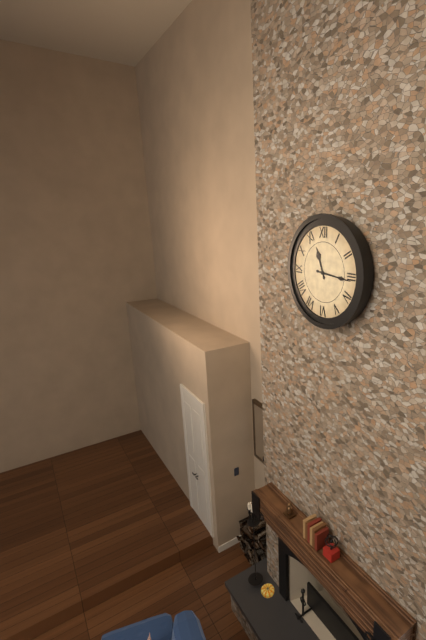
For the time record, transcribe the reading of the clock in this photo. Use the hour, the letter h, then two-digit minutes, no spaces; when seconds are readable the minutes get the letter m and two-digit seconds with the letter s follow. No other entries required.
11h16
